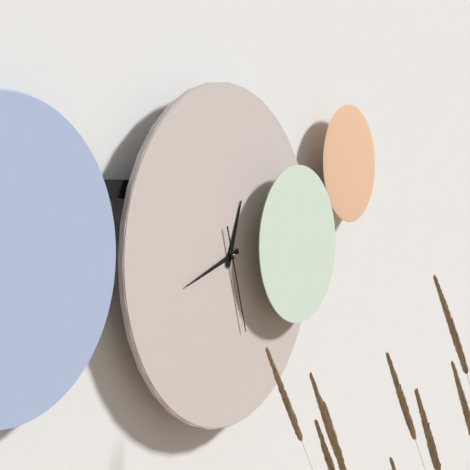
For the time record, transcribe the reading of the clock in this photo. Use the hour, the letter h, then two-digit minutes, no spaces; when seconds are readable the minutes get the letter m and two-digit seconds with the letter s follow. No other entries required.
12h42m27s
